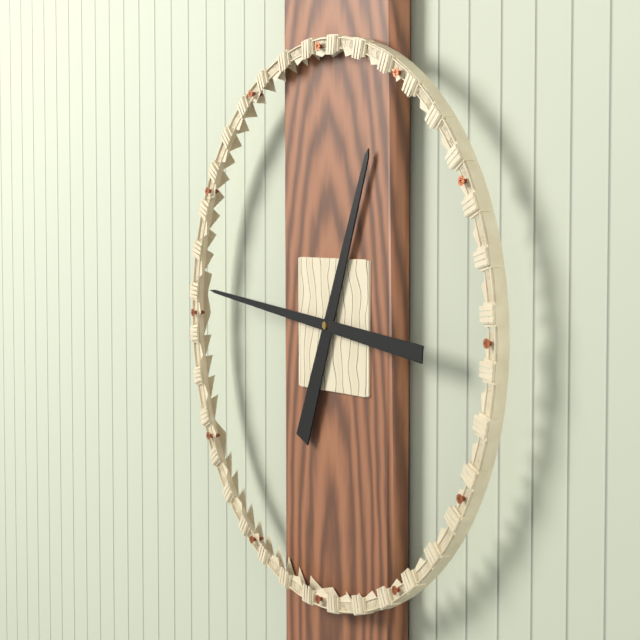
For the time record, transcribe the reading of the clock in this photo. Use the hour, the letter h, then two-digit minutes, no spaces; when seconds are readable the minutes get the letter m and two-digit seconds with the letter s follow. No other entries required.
12h46
